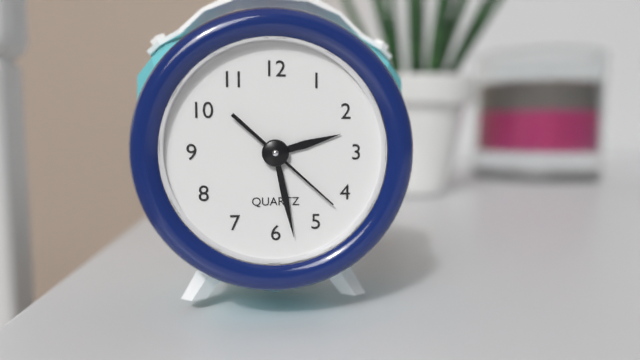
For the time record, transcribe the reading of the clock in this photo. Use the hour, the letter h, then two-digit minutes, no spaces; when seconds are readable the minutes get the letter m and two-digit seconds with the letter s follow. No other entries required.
2h28m22s
